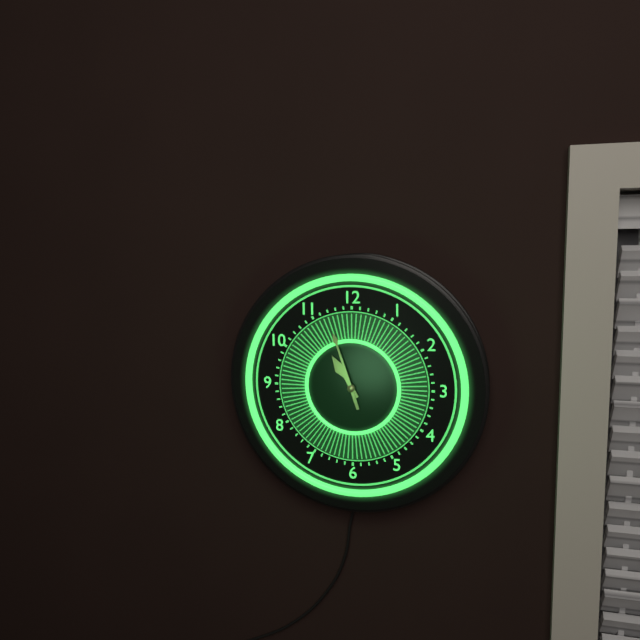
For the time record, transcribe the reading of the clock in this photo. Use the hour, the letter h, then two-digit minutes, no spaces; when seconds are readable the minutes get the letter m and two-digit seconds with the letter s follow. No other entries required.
10h57
